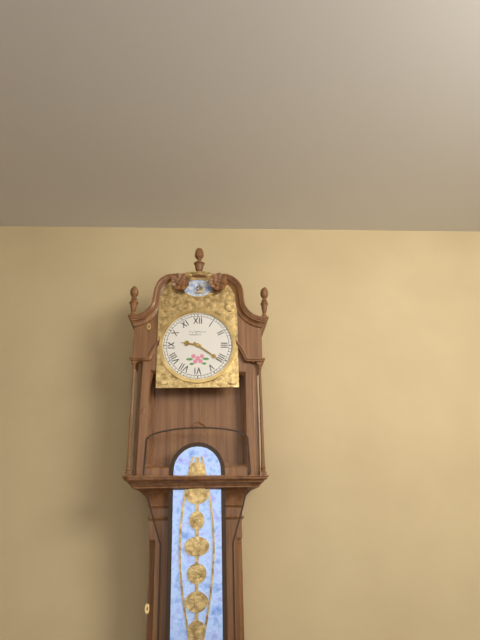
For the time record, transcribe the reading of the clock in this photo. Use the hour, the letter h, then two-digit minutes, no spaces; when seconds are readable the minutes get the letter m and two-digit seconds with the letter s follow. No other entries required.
9h21
